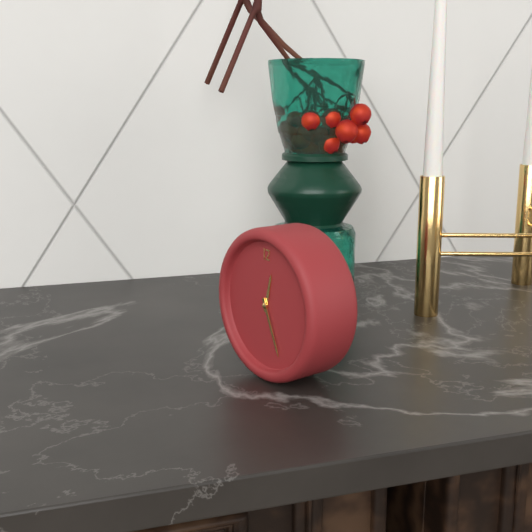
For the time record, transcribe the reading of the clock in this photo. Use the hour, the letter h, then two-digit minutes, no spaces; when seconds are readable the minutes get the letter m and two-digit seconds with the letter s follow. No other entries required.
12h26
